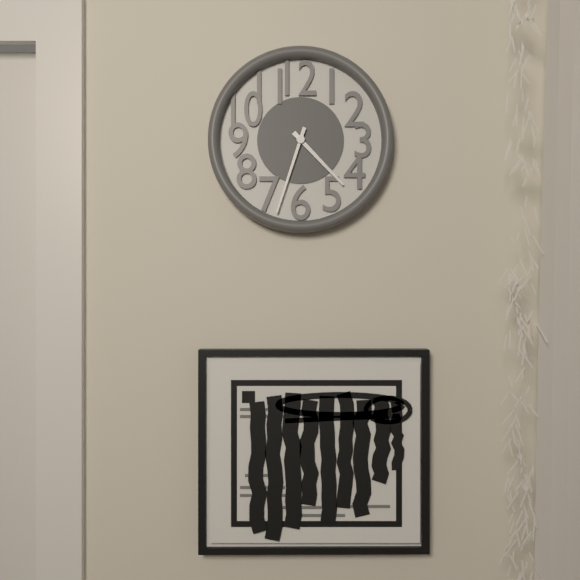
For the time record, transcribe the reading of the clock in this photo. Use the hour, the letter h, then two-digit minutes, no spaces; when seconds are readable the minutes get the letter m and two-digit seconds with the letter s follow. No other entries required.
4h33
